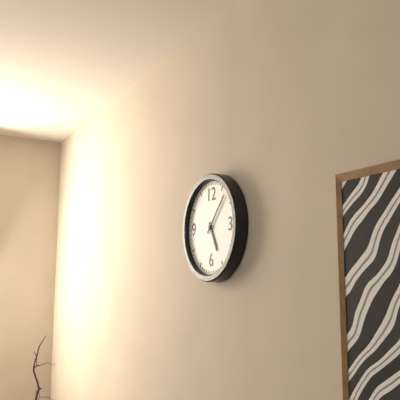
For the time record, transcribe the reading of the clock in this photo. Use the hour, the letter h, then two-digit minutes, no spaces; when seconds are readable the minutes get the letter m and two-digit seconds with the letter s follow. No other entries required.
5h07
